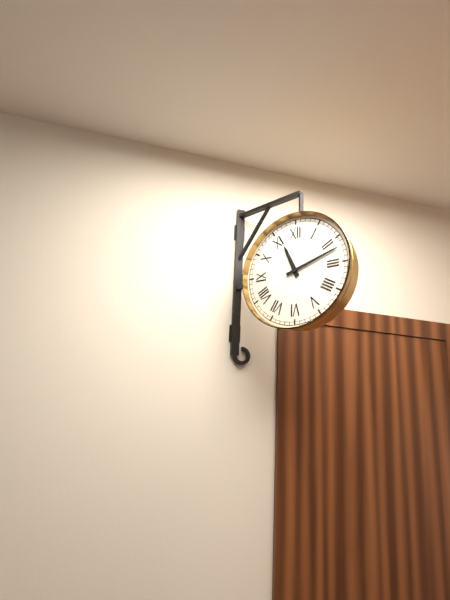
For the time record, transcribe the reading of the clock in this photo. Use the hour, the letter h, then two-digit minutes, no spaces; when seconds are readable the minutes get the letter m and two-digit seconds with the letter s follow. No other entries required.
11h12
